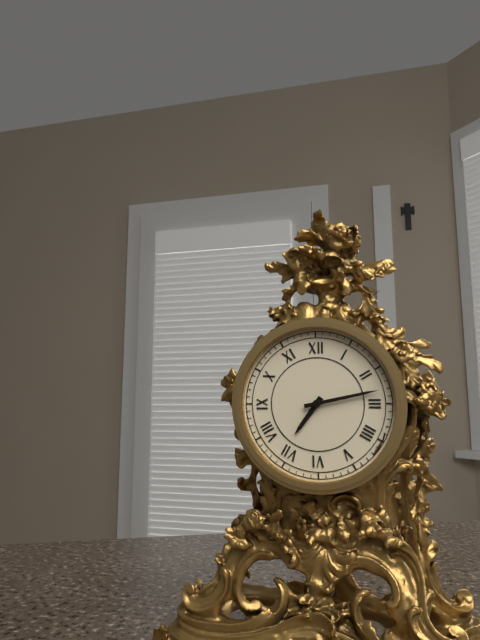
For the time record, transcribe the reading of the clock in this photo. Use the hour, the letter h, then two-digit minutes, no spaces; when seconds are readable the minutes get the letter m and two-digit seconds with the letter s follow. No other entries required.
7h13
